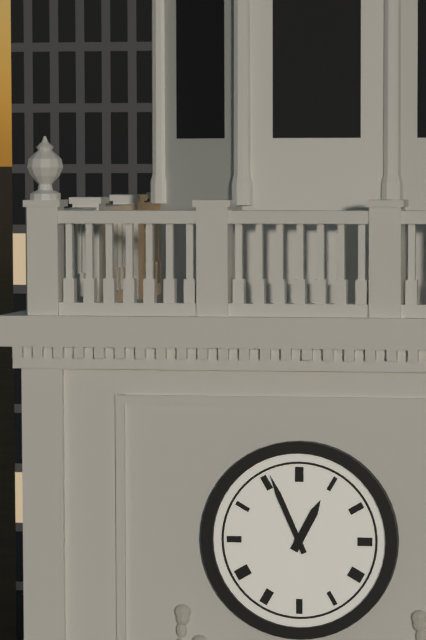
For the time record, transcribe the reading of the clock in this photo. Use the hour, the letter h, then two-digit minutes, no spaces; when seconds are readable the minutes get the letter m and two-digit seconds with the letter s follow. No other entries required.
12h56
